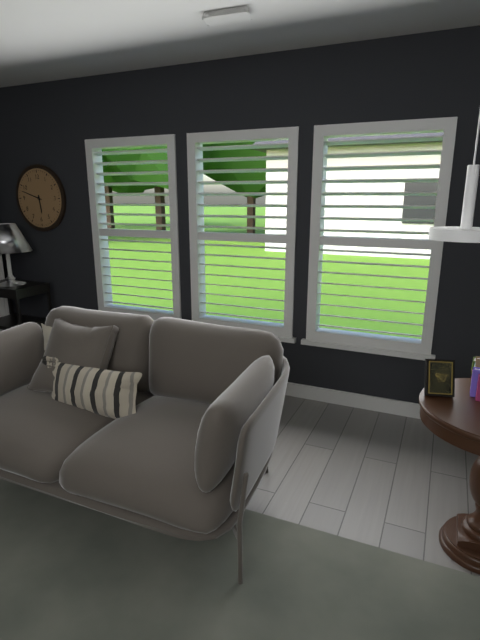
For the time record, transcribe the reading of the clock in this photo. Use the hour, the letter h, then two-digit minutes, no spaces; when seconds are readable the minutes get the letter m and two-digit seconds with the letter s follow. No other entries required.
5h48
